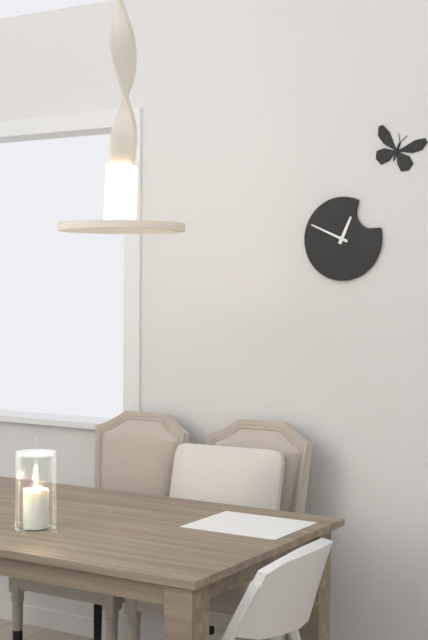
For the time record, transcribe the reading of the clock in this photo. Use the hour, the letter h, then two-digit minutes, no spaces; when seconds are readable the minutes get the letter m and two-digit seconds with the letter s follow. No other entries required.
12h49
